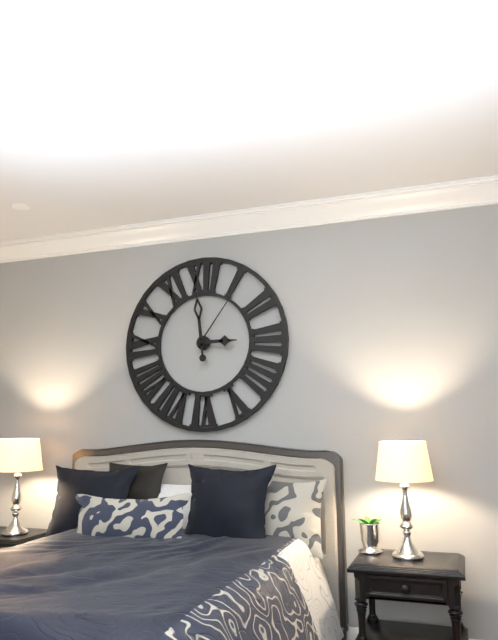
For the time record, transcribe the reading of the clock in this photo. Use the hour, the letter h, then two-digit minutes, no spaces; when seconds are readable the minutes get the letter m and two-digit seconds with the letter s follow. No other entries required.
2h59m06s
